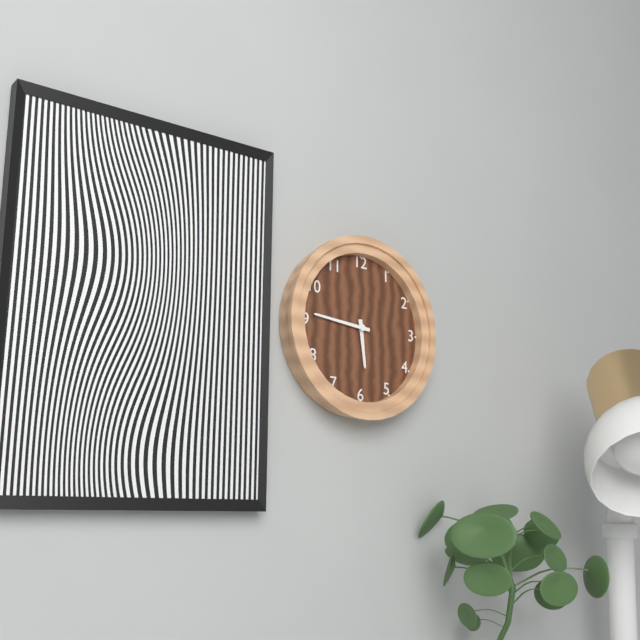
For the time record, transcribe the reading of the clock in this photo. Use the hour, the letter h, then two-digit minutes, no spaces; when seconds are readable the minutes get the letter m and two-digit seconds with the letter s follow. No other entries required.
5h46
